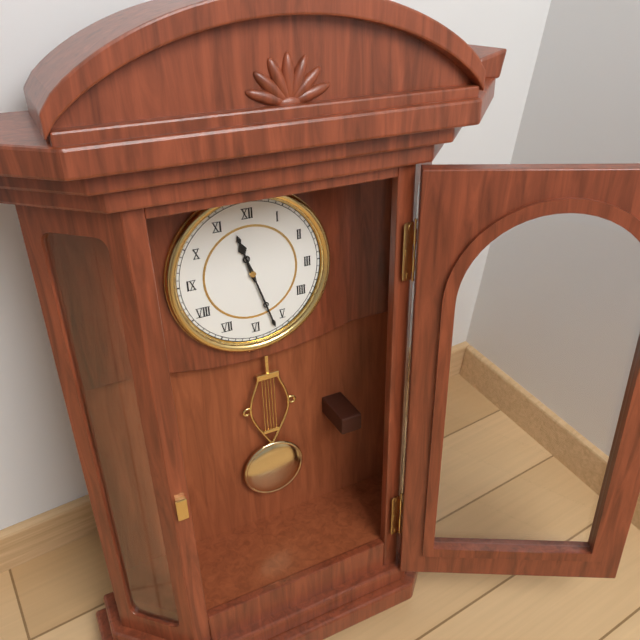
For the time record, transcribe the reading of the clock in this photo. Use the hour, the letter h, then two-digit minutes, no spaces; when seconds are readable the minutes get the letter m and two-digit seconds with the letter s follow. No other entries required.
11h27
